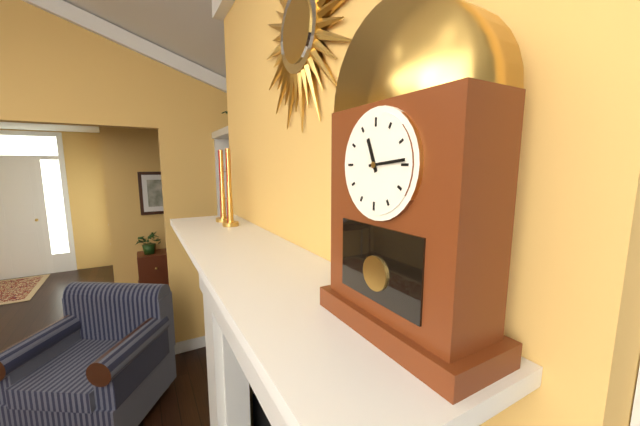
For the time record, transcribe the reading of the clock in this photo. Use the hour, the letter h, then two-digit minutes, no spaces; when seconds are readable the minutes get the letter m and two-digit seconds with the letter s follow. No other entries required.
11h14
